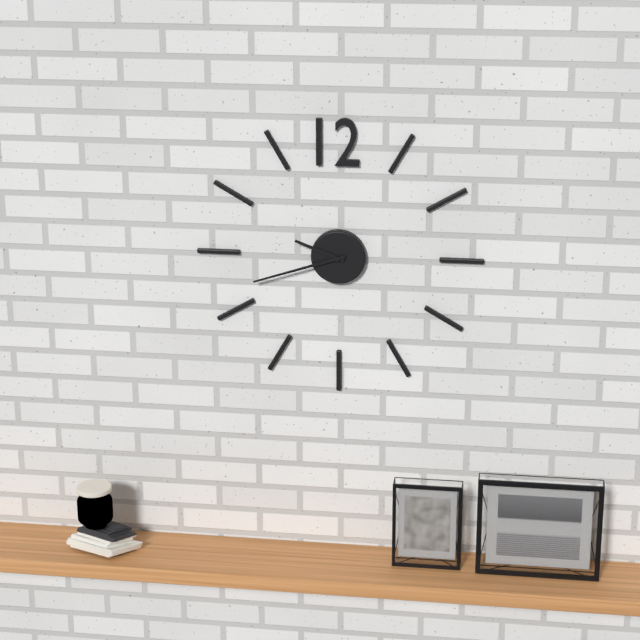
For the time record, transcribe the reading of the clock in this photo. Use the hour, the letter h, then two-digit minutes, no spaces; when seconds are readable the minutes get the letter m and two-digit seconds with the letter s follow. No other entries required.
9h42
